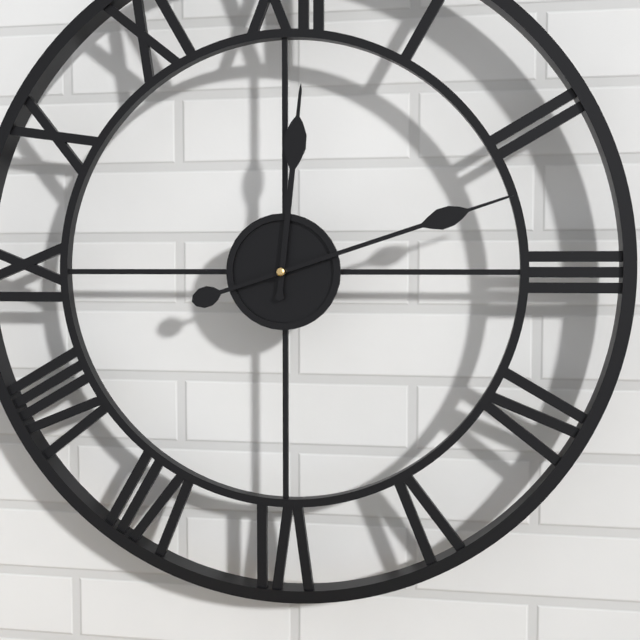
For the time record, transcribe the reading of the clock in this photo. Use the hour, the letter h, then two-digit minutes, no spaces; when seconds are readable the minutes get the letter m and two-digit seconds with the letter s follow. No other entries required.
12h12
